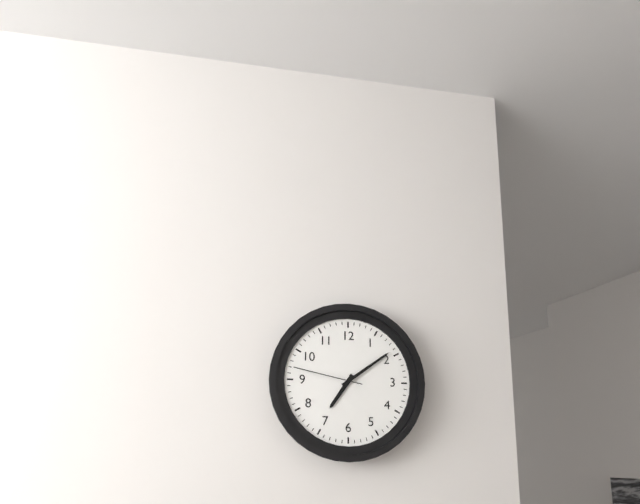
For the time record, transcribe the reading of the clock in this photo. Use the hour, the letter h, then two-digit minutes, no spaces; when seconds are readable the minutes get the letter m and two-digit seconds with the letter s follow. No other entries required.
7h09m47s
